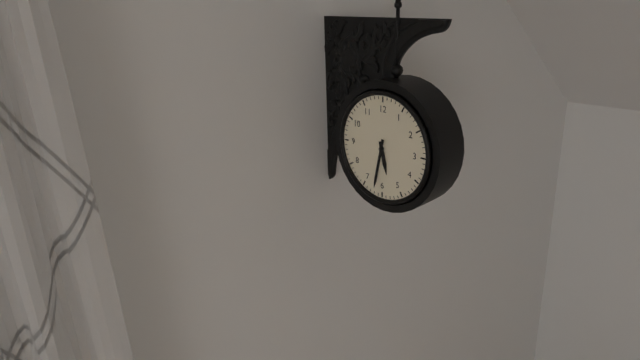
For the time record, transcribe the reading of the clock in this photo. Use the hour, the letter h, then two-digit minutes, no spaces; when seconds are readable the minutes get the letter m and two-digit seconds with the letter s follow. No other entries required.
5h32
